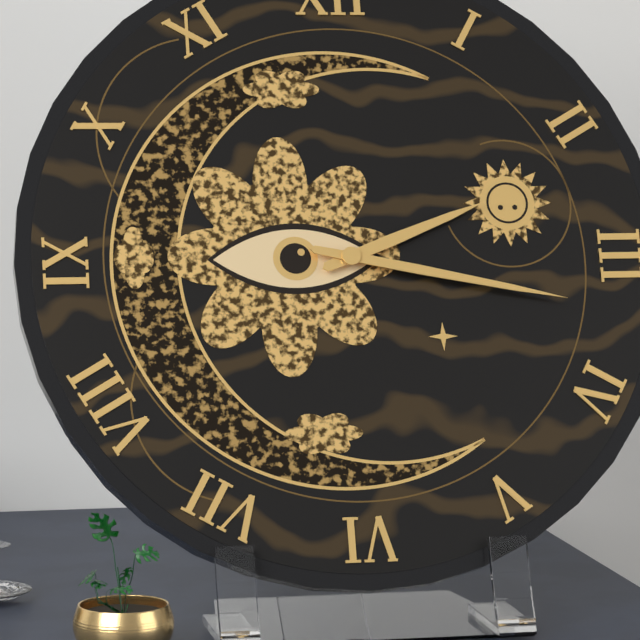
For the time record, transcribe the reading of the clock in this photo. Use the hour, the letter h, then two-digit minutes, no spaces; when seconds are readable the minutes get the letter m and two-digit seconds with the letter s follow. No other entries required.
2h17
